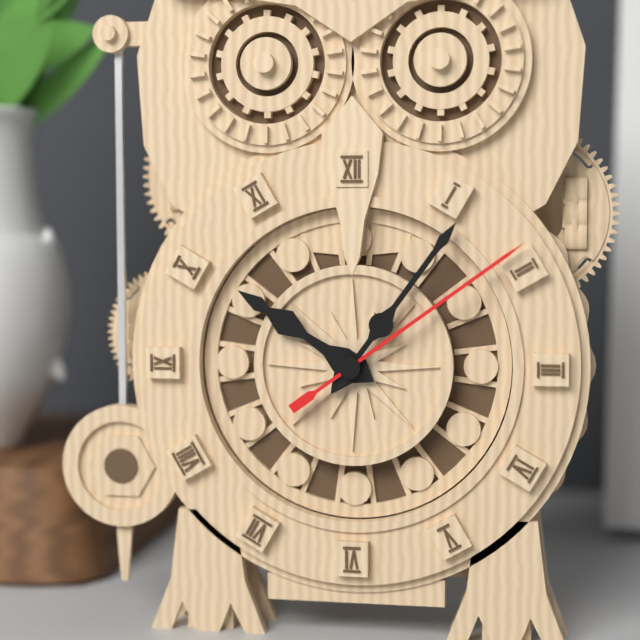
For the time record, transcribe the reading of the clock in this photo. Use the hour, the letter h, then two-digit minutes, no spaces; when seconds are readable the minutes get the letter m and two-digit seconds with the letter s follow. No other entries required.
10h06m09s
